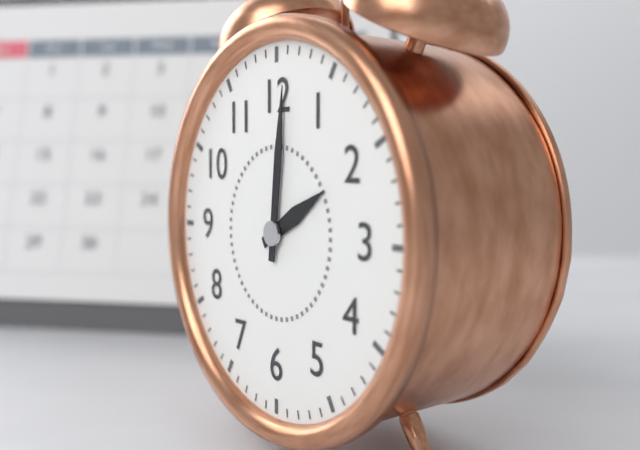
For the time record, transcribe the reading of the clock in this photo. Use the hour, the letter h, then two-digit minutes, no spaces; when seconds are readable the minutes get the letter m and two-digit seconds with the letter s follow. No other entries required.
2h01
